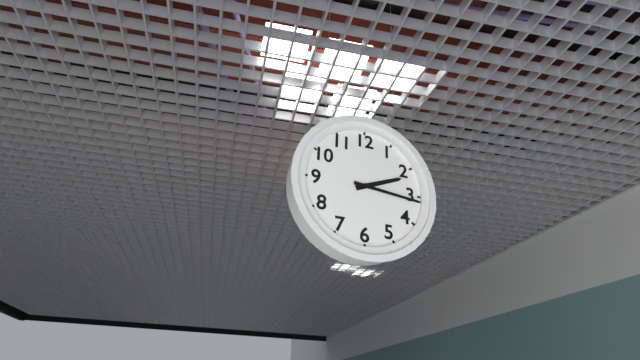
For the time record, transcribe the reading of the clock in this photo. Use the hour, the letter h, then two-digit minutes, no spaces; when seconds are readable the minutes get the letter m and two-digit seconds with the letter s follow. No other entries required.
2h16
